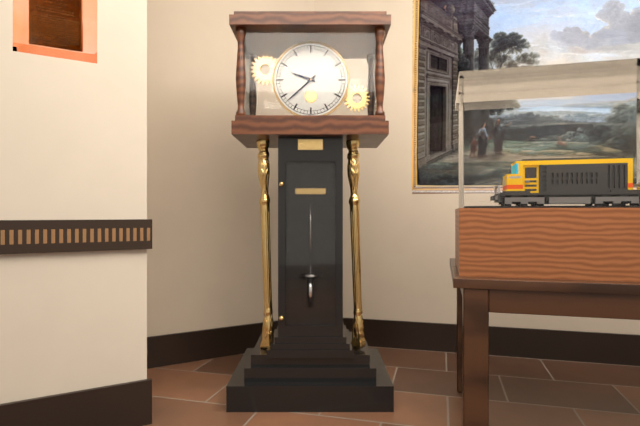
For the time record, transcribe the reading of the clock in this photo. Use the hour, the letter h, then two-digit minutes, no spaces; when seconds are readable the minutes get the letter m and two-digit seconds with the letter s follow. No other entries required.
9h38
